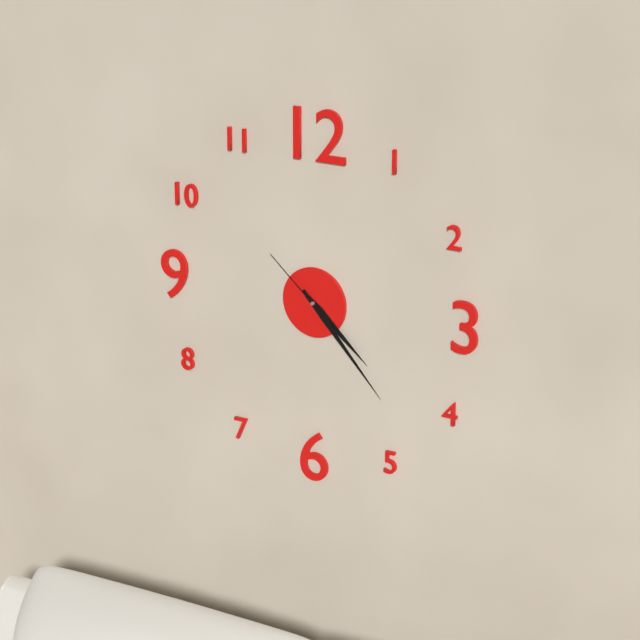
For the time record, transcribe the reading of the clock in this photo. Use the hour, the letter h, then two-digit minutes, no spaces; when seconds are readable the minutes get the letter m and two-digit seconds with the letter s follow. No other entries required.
4h23m52s
